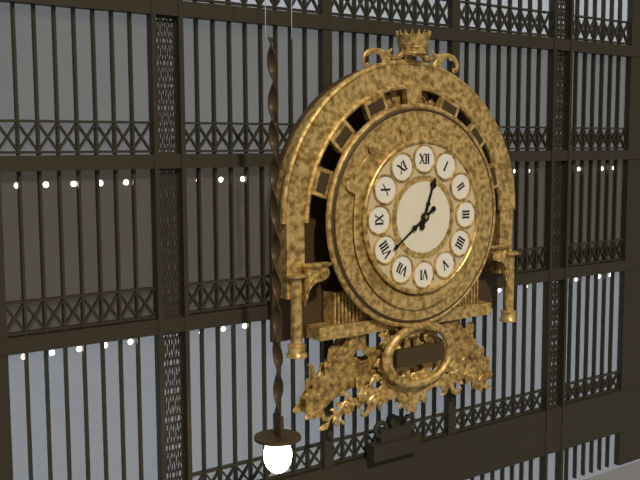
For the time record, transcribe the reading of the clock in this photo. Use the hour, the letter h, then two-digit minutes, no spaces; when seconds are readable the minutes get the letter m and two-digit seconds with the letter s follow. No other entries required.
12h39
